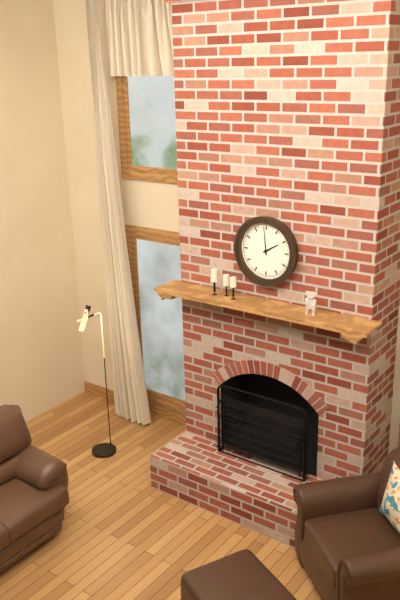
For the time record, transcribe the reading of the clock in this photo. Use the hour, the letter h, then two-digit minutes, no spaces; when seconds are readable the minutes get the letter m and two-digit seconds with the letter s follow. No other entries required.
1h59
